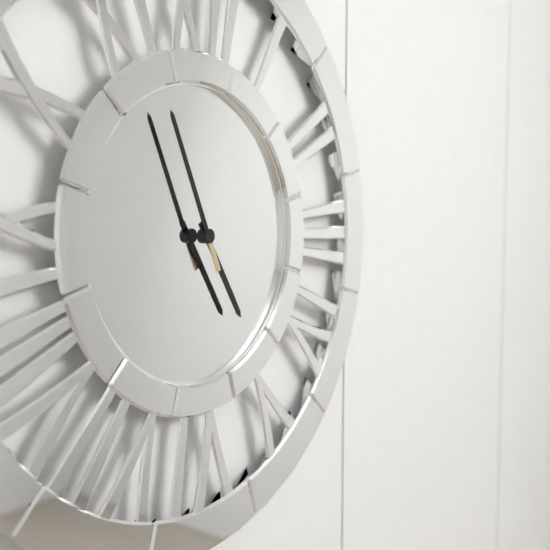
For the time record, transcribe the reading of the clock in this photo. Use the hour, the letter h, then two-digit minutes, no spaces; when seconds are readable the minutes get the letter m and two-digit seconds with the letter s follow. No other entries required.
4h56
